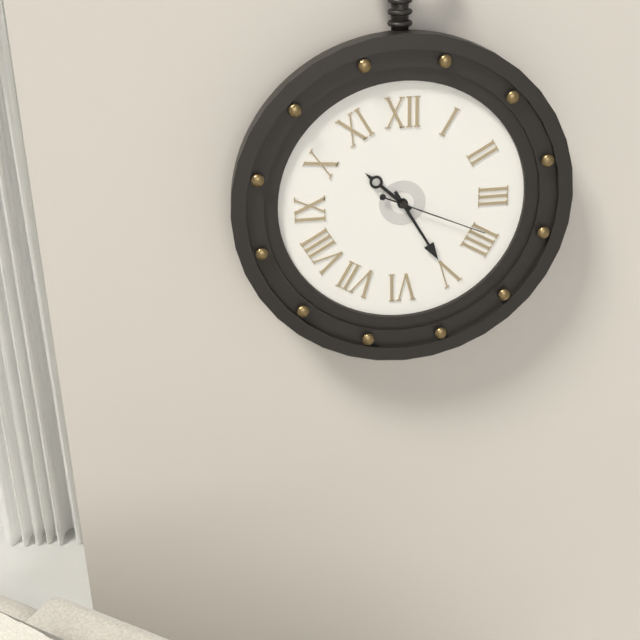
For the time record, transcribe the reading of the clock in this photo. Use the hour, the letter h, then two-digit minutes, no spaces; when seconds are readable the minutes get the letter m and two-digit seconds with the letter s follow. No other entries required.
10h25m19s
